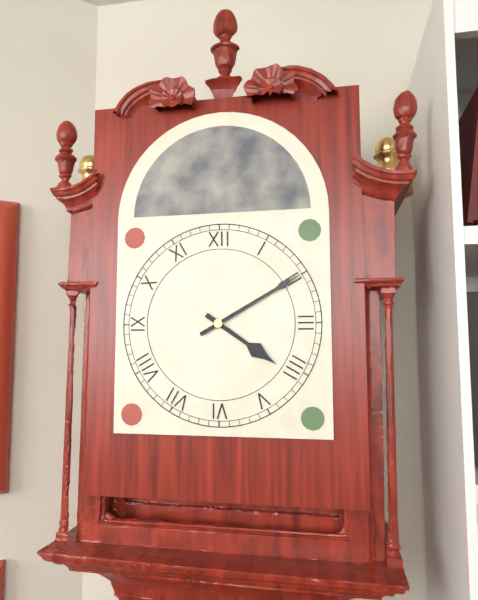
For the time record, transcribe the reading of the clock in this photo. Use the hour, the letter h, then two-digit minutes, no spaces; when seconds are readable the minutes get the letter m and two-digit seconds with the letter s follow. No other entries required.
4h10
